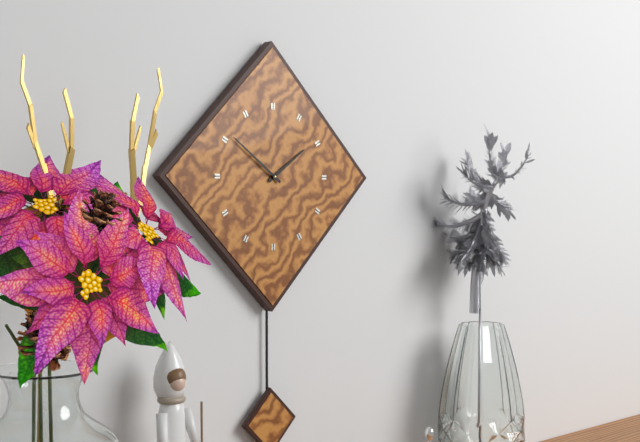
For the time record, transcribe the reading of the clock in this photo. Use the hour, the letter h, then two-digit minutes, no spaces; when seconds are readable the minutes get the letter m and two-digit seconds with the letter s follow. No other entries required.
1h51
